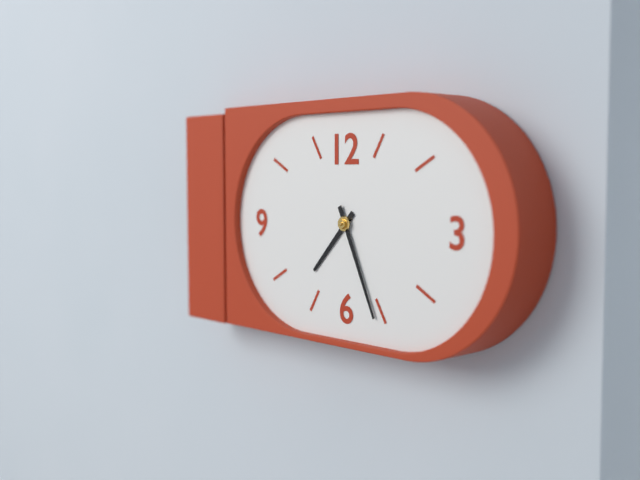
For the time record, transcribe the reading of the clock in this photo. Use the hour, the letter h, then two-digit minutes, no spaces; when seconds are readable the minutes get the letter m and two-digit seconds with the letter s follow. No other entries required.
7h26
